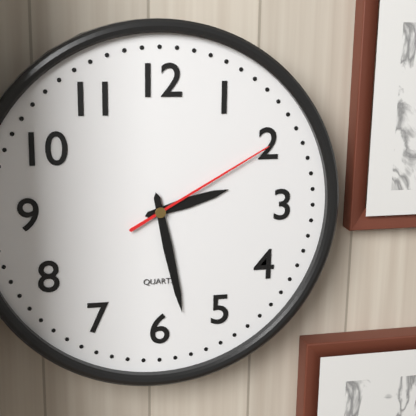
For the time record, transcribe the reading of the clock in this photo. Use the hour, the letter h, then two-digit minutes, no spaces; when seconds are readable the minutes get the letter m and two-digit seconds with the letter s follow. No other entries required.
2h28m10s
